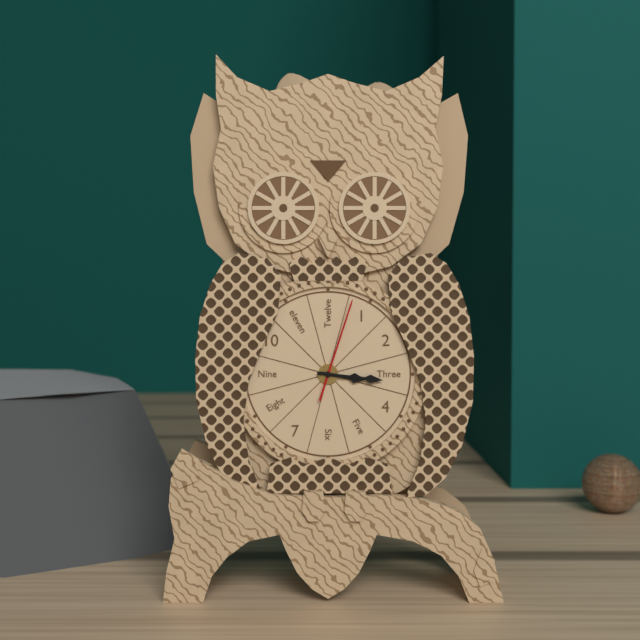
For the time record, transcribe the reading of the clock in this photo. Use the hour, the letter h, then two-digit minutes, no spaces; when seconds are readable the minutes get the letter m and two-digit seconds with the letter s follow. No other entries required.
3h16m03s
